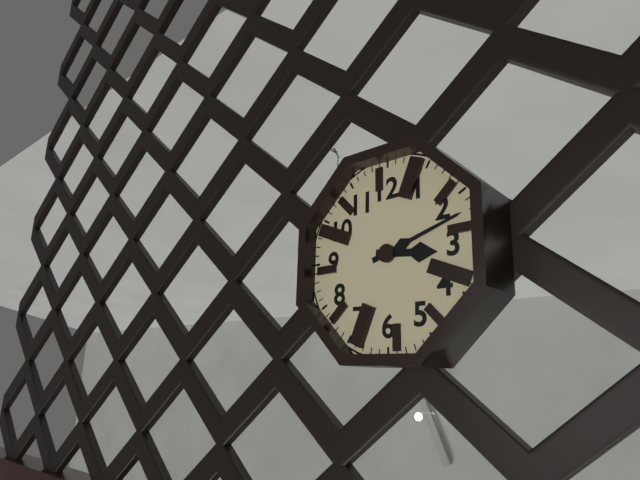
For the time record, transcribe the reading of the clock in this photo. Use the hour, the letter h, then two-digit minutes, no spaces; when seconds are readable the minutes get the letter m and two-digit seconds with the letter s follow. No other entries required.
3h12
